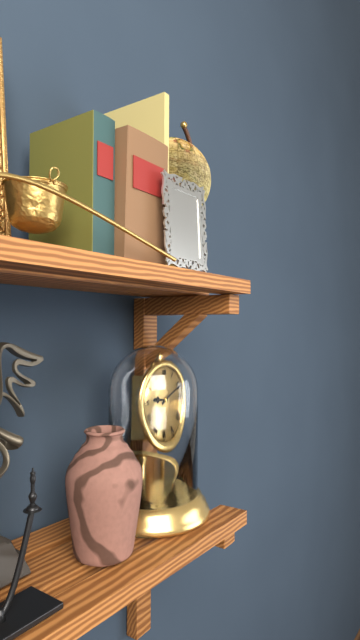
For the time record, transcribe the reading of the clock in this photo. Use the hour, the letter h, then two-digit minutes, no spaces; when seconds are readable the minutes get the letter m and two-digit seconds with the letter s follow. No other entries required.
9h11
